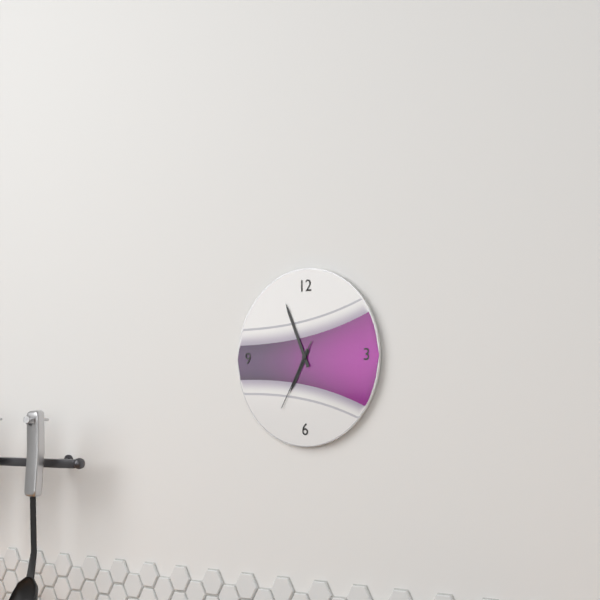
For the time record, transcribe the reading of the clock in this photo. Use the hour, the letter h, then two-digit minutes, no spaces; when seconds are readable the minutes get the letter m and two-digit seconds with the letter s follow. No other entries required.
6h56m35s
